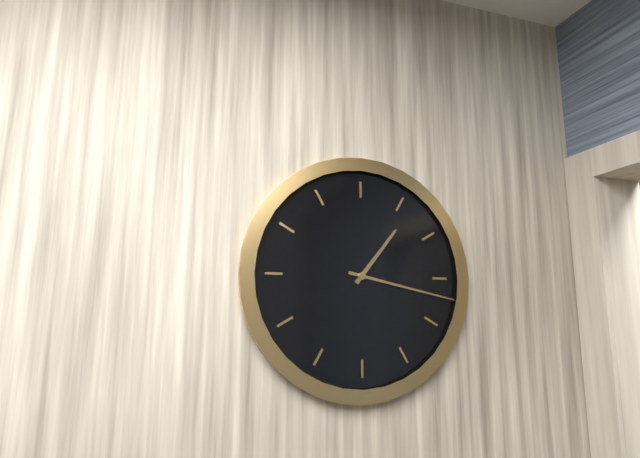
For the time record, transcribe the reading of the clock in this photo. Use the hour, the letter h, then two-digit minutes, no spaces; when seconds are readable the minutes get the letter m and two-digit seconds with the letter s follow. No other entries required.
1h17
